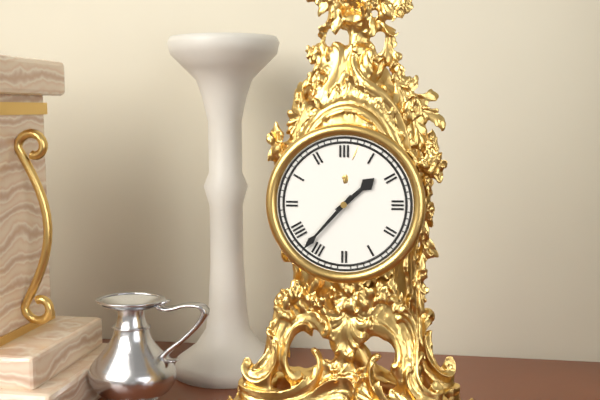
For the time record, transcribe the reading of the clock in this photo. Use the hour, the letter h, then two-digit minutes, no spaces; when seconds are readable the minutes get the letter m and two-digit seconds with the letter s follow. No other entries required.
1h37
